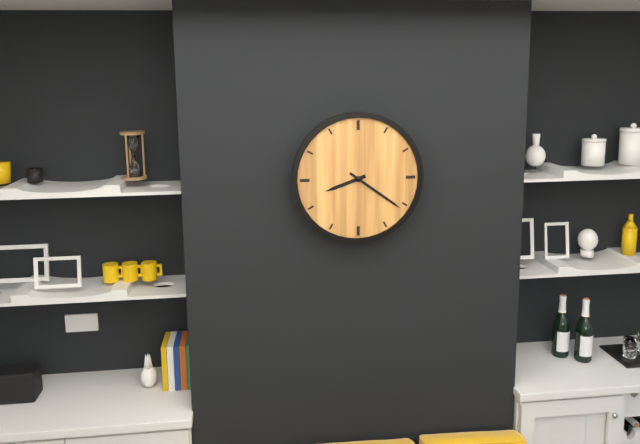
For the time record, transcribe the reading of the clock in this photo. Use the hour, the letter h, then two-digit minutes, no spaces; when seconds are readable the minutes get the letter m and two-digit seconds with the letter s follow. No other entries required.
8h21
